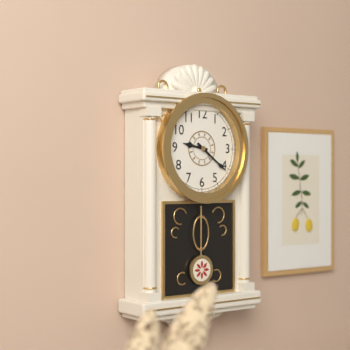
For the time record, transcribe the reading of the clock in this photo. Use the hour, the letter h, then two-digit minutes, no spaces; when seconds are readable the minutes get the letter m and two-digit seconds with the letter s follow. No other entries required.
9h21
